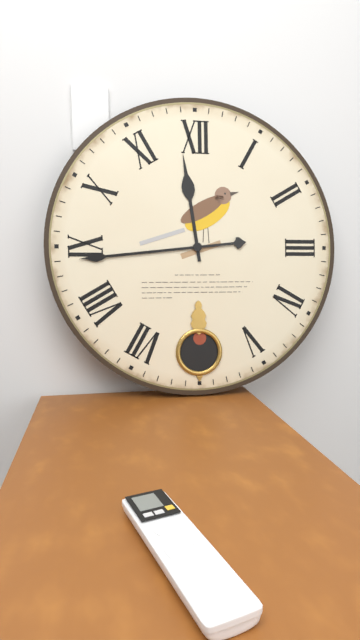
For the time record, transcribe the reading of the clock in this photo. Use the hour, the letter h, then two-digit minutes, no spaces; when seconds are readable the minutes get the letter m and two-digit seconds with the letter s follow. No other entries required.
11h44
